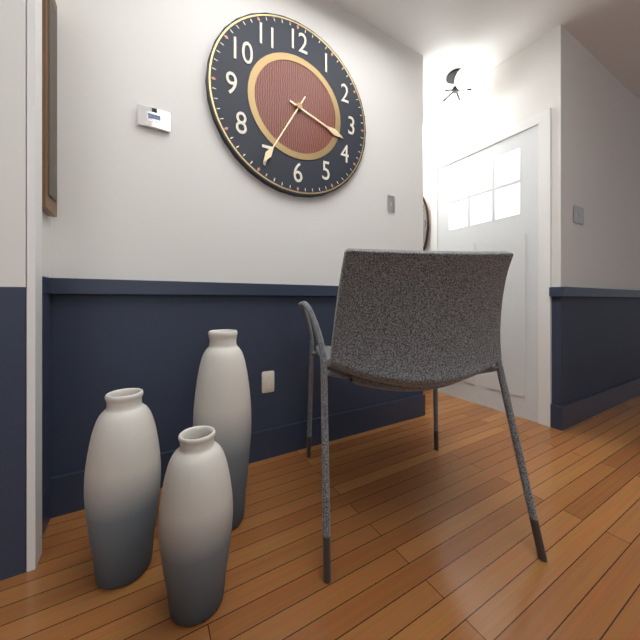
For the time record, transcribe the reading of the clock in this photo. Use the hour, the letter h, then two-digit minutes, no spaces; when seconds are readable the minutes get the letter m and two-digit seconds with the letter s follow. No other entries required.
3h35
